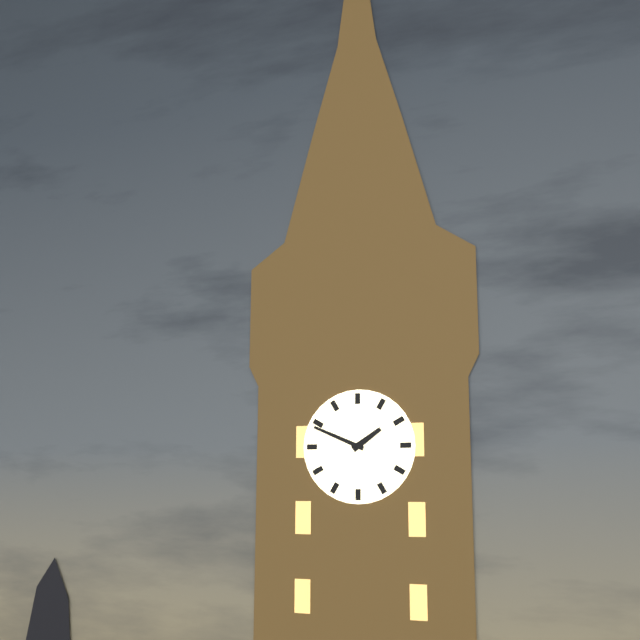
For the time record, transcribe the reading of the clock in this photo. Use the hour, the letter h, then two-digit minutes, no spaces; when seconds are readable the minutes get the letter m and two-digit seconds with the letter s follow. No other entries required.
1h49
